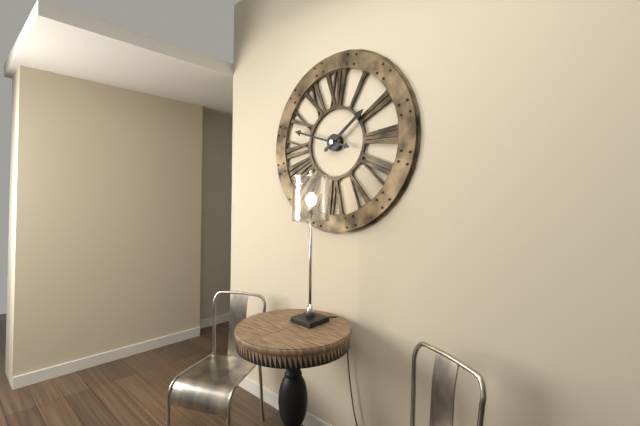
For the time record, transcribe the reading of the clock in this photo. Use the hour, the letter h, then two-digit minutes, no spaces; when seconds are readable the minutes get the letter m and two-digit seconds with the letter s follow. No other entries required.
1h48
